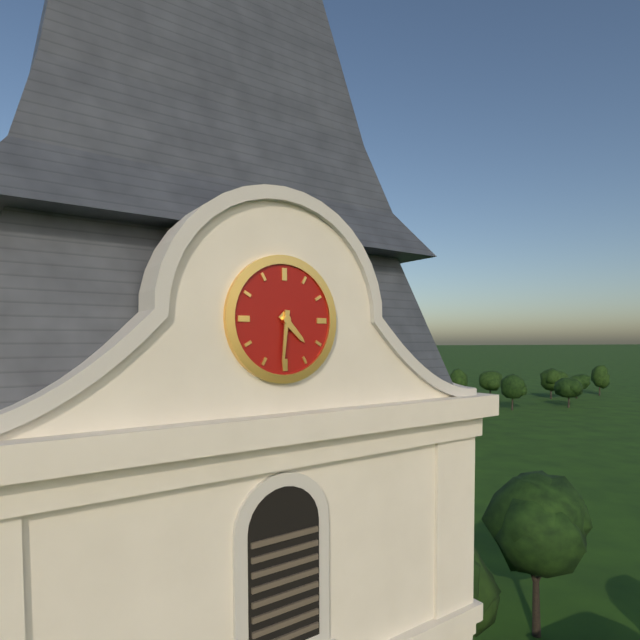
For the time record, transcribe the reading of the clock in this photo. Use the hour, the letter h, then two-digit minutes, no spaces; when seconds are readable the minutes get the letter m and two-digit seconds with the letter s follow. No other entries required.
4h31
